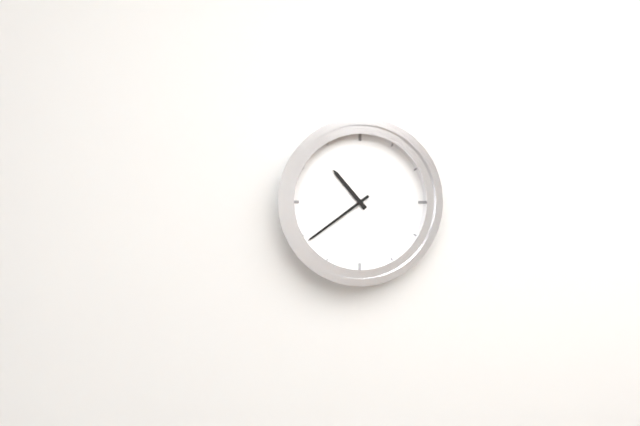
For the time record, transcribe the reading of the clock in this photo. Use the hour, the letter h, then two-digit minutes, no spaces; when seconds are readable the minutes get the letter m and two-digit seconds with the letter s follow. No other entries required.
10h39
